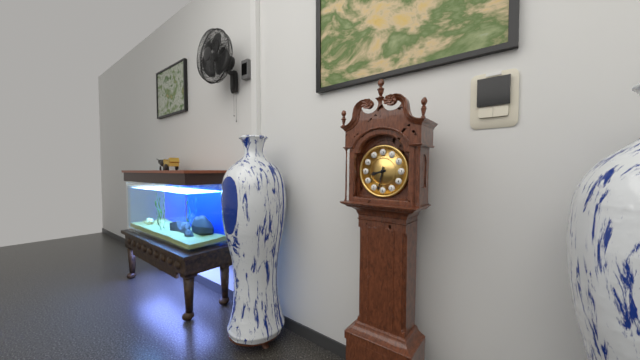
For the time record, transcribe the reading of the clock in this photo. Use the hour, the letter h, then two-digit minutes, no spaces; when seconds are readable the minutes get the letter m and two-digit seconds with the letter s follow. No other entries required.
8h32
